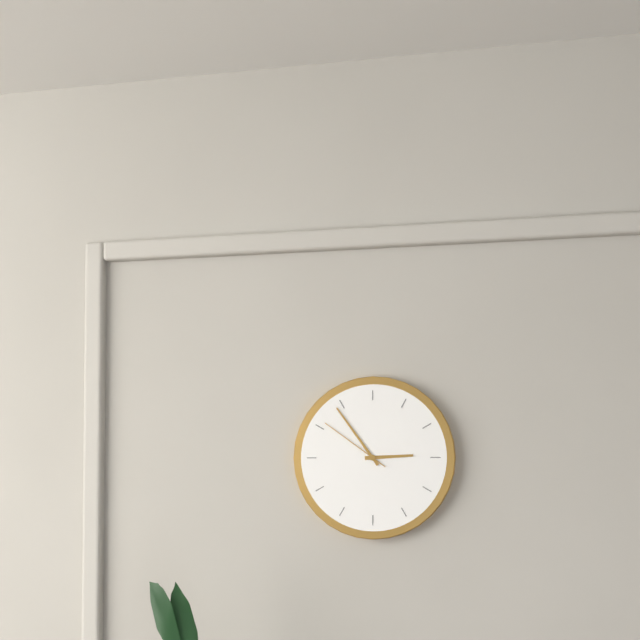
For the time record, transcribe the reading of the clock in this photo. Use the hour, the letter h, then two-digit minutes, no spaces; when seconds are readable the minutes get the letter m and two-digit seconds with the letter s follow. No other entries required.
2h54m51s
